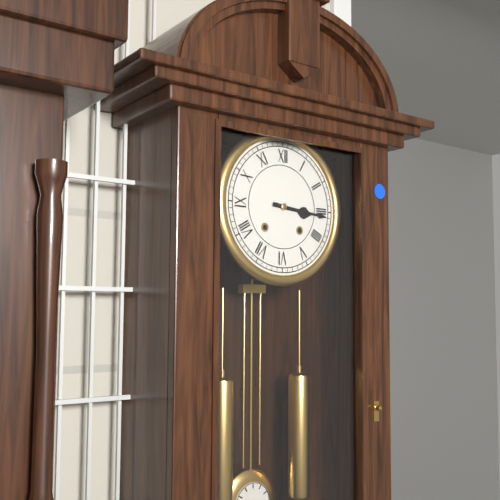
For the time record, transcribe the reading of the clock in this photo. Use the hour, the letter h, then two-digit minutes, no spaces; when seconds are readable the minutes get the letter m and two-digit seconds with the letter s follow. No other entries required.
3h16
